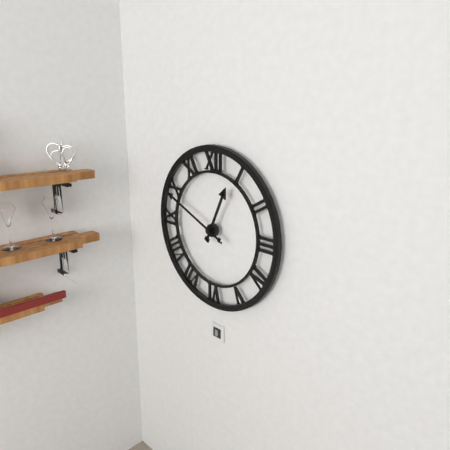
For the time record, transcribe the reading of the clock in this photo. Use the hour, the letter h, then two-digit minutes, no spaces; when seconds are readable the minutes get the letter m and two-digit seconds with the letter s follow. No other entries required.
12h49m49s
